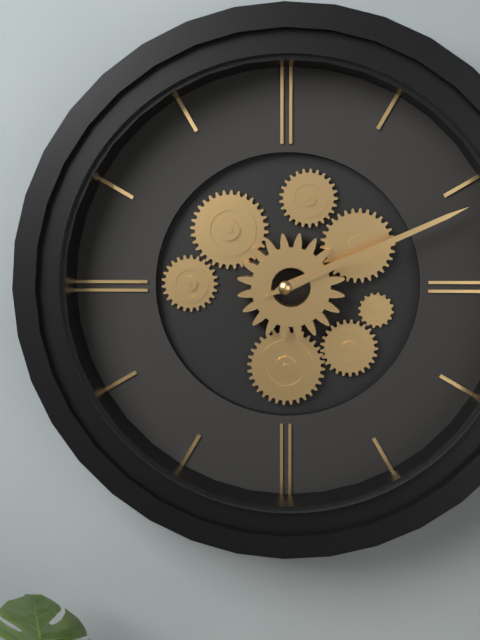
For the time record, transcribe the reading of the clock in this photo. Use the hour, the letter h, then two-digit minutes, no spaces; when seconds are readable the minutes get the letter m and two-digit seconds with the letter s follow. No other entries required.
2h11
